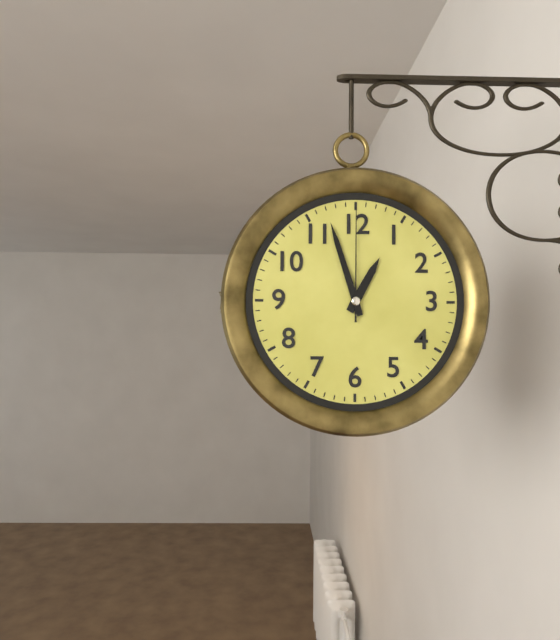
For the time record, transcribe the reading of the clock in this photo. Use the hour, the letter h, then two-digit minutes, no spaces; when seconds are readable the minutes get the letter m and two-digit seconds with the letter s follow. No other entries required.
12h57m00s
